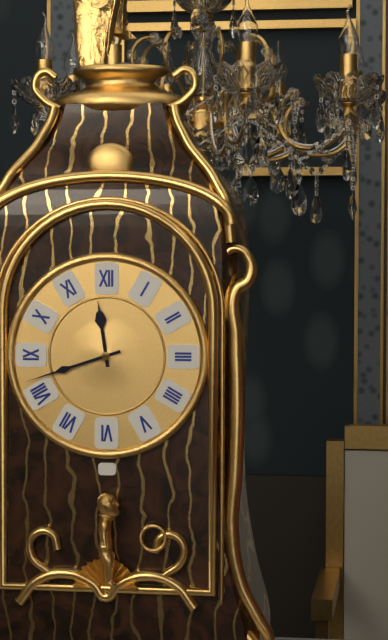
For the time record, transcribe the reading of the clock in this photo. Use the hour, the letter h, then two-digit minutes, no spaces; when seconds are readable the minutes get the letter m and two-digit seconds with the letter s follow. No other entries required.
11h42
